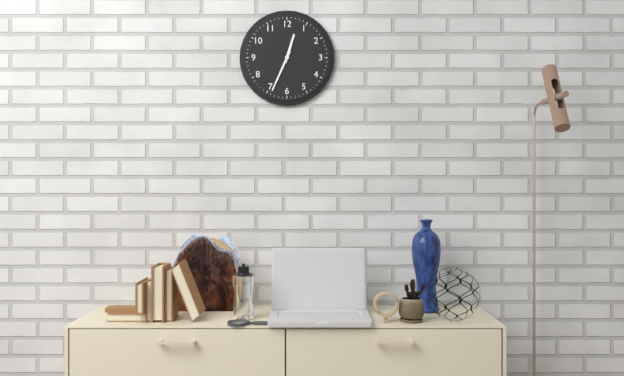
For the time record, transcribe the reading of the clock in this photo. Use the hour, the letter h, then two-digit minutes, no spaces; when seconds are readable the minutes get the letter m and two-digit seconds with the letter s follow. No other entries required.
12h34
